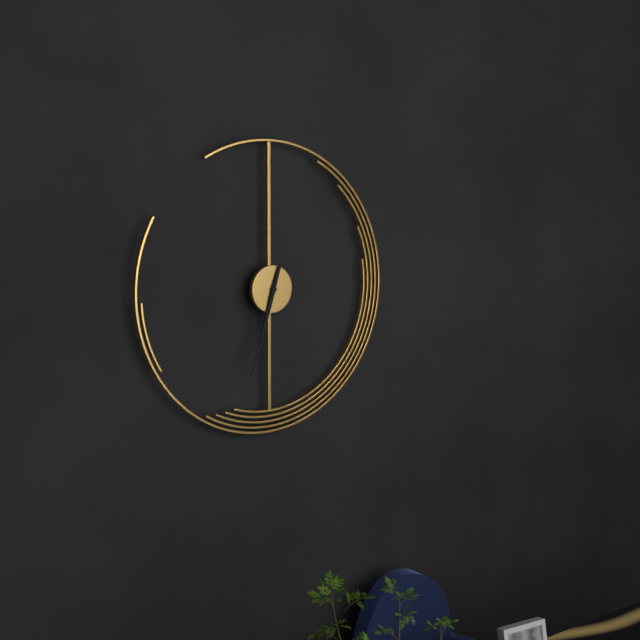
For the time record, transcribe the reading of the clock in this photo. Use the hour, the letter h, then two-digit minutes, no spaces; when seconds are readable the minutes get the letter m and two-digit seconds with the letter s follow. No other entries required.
6h33
